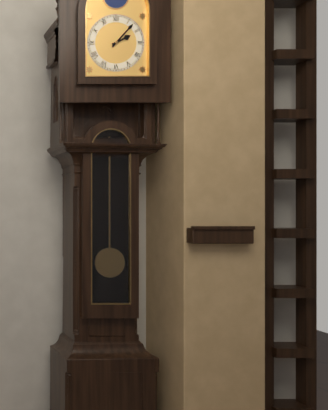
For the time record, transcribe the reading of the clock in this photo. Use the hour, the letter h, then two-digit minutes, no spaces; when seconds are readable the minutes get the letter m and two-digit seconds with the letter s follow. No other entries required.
2h07
